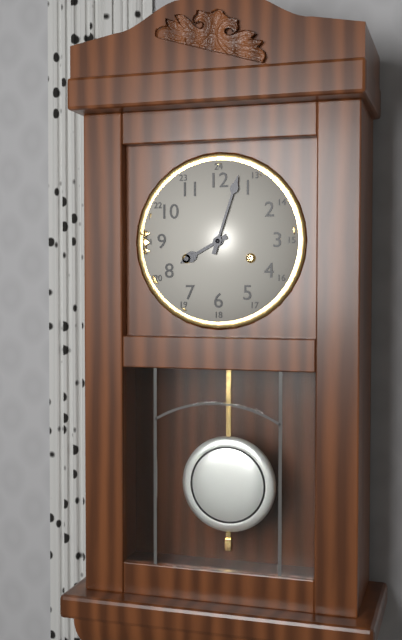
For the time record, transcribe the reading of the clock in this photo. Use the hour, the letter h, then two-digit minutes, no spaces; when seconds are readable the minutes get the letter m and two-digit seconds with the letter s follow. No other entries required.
8h03
